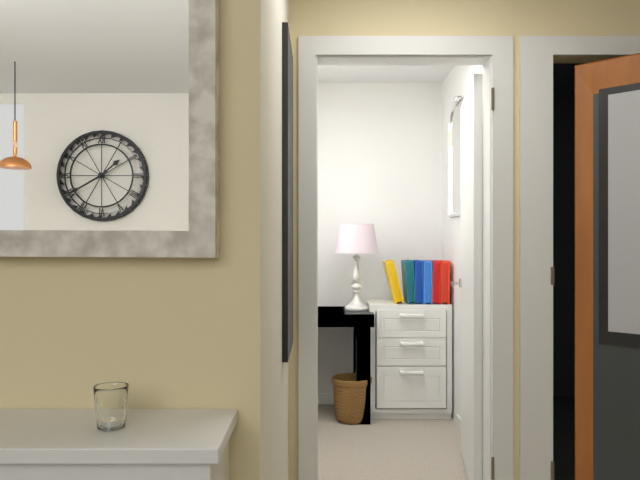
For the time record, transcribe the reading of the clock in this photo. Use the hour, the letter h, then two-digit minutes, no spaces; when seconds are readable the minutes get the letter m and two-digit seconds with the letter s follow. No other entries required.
1h40
